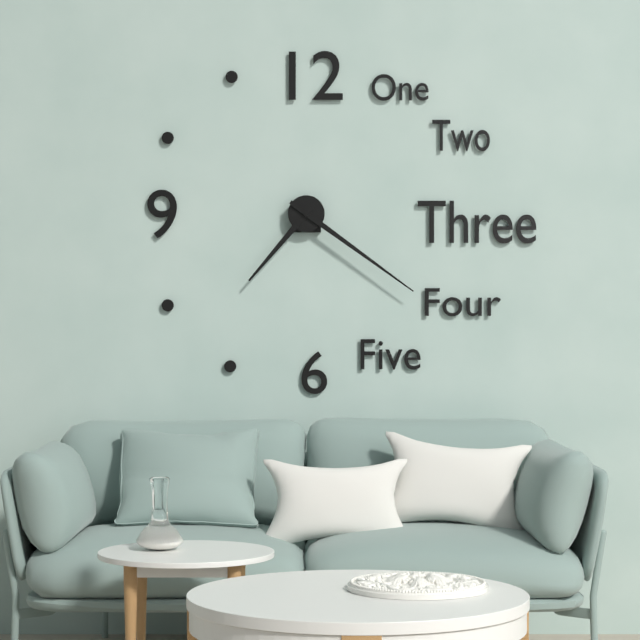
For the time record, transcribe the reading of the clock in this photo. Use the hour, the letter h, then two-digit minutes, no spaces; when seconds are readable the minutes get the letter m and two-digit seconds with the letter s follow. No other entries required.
7h21
